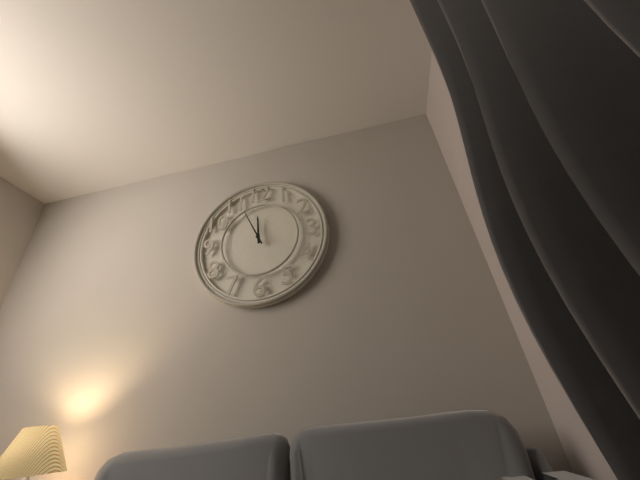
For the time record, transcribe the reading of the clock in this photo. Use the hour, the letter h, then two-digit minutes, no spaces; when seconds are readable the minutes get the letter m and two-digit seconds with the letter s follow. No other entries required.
11h56
